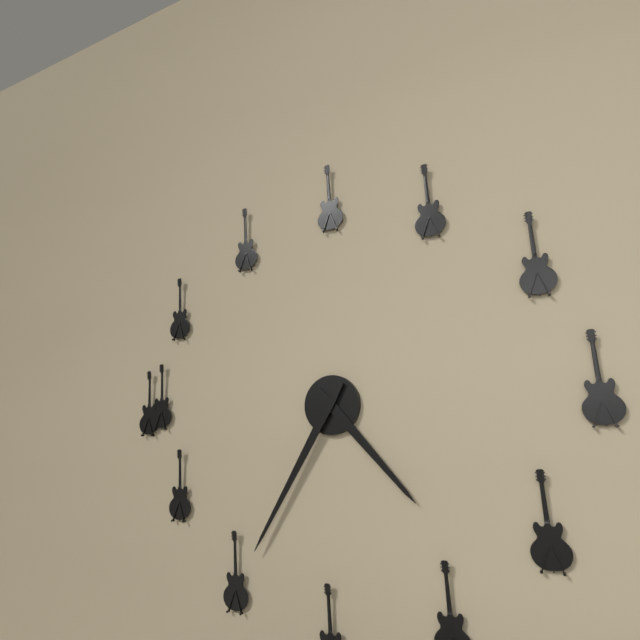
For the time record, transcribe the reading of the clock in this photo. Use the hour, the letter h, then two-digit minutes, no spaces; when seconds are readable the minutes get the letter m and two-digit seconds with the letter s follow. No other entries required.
4h35
